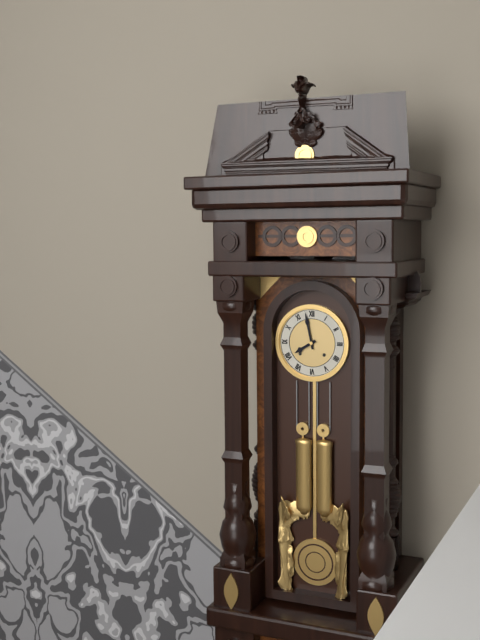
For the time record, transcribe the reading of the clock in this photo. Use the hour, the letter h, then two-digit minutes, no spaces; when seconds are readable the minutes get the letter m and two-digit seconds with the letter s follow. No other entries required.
7h58
